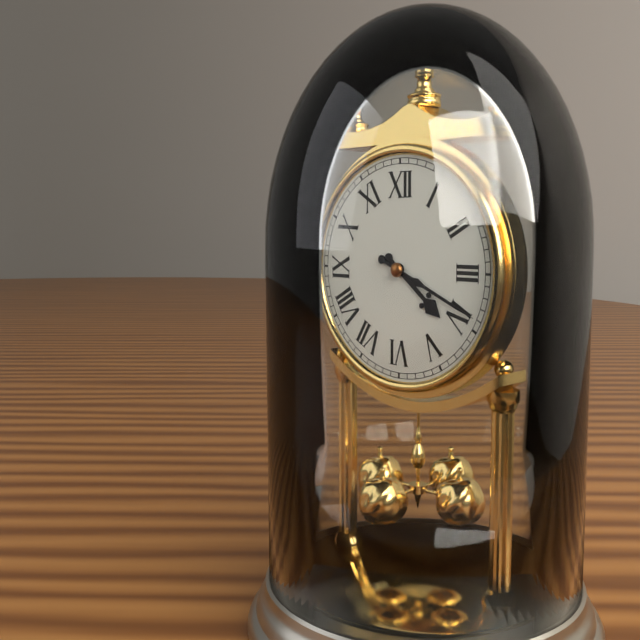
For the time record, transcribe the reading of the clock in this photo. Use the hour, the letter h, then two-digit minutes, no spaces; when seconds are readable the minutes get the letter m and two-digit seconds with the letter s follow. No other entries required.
4h19
